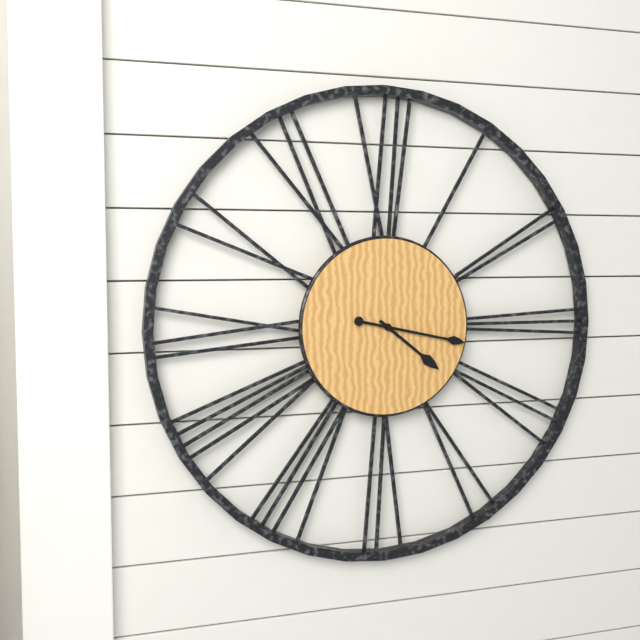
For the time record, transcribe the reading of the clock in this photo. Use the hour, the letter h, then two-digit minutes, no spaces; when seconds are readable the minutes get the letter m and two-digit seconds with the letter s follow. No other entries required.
4h17
